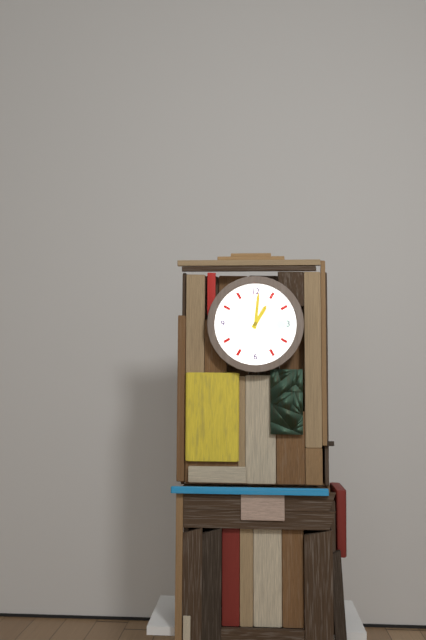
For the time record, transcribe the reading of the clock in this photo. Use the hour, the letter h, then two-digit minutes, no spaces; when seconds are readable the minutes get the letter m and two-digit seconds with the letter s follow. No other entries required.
1h01
